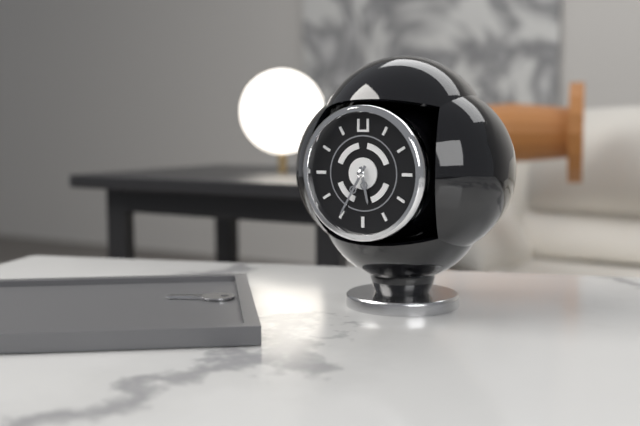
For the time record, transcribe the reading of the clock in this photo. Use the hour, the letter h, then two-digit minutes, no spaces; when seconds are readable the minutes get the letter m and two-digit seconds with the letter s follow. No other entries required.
5h35
